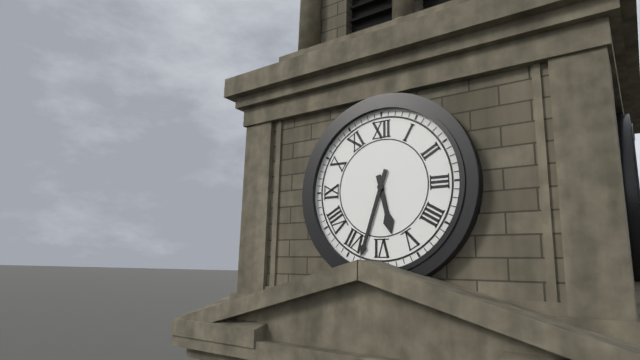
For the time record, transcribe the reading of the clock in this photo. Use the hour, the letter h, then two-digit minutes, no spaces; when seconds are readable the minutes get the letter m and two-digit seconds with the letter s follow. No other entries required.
5h33
